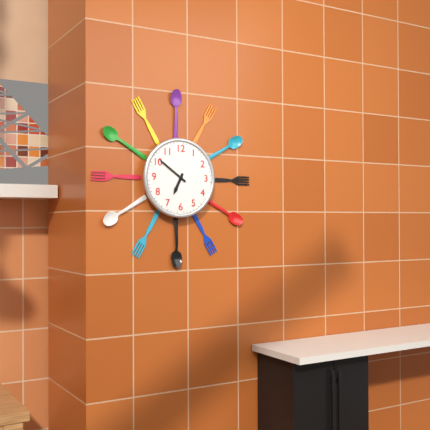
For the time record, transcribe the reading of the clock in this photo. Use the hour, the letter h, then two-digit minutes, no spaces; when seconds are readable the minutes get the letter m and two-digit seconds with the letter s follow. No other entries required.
6h51
